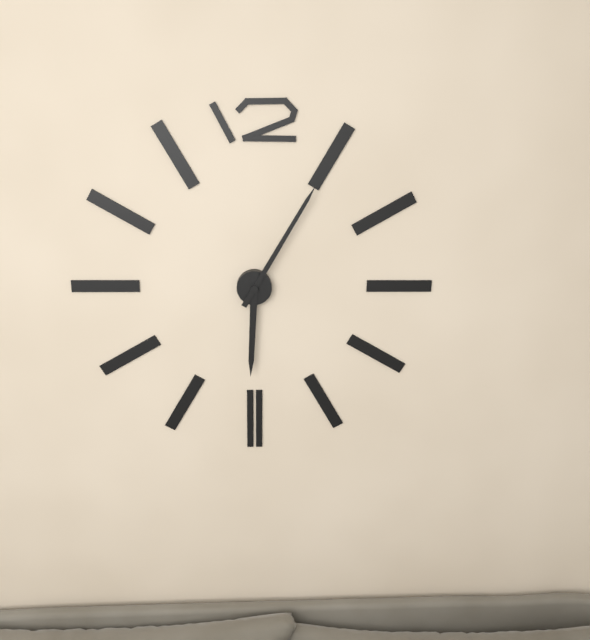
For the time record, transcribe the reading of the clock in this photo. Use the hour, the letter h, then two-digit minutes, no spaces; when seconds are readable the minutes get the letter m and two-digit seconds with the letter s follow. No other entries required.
6h05
